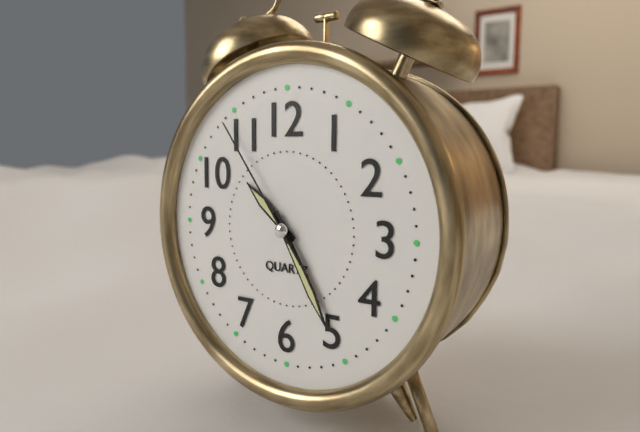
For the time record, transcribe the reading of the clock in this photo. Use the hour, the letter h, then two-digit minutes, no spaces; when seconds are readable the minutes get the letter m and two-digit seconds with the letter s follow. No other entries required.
10h25m54s
